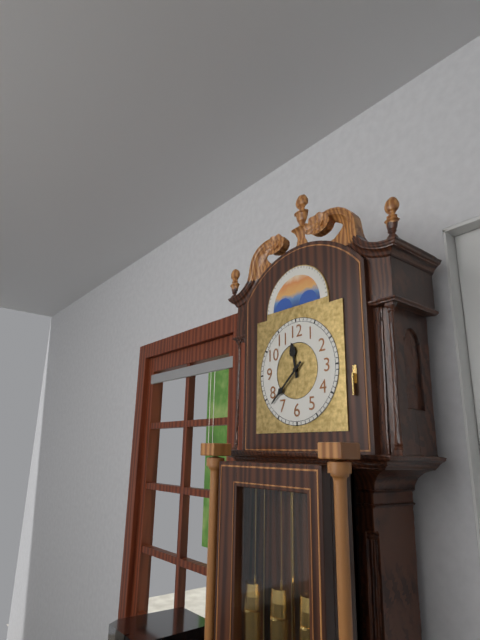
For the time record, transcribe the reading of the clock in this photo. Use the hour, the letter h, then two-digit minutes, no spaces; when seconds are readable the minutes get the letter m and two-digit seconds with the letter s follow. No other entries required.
11h38
